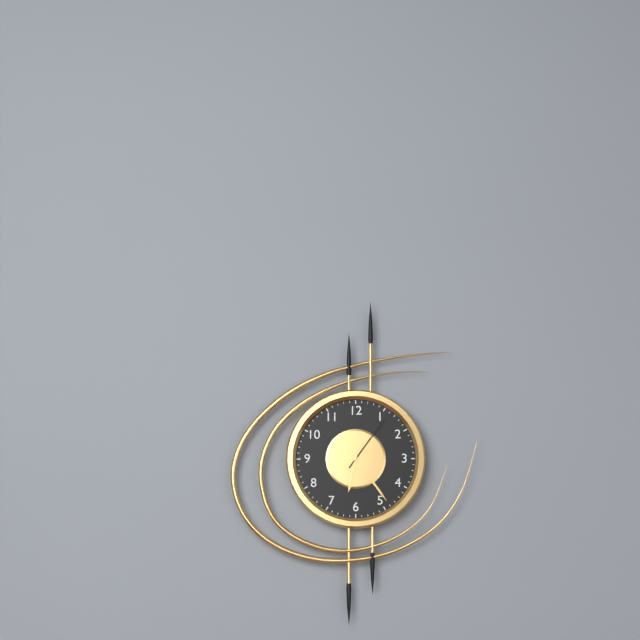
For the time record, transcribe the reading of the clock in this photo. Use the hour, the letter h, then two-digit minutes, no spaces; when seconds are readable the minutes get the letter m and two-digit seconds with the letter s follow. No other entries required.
6h24m06s
